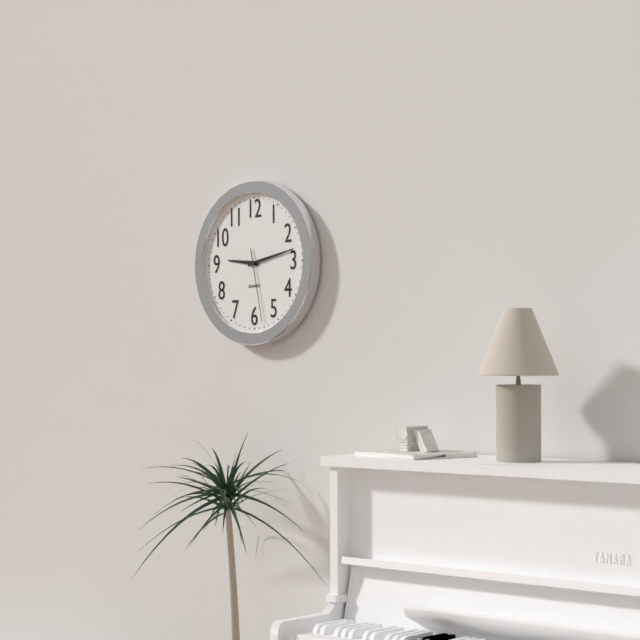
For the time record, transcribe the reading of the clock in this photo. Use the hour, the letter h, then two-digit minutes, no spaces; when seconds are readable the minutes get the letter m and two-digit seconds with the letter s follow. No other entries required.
9h13m28s
